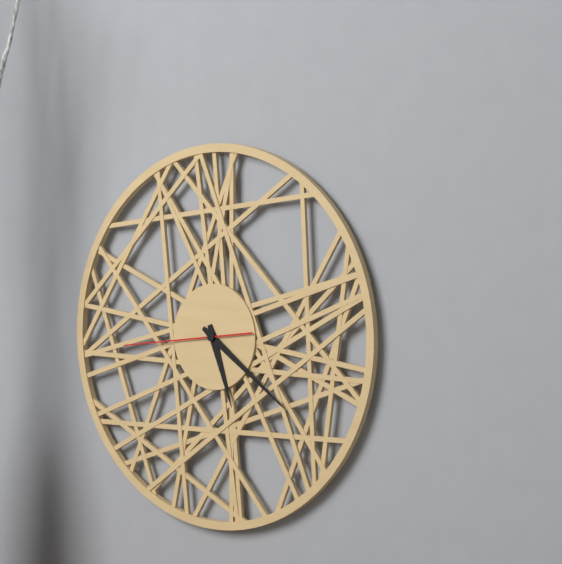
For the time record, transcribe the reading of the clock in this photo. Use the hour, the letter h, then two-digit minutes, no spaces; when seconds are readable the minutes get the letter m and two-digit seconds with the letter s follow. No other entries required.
5h21m44s
